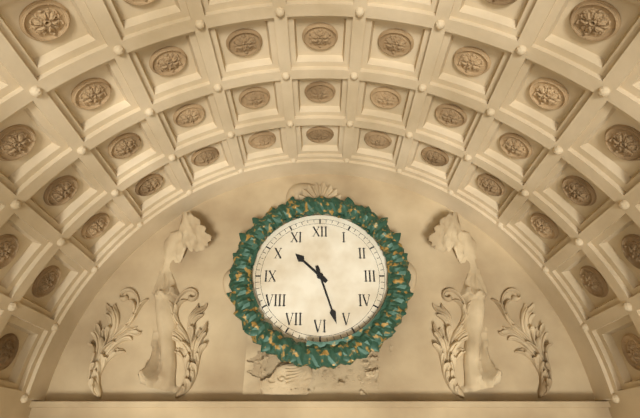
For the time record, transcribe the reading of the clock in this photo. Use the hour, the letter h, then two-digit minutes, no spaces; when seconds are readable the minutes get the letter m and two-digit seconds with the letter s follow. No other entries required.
10h27
